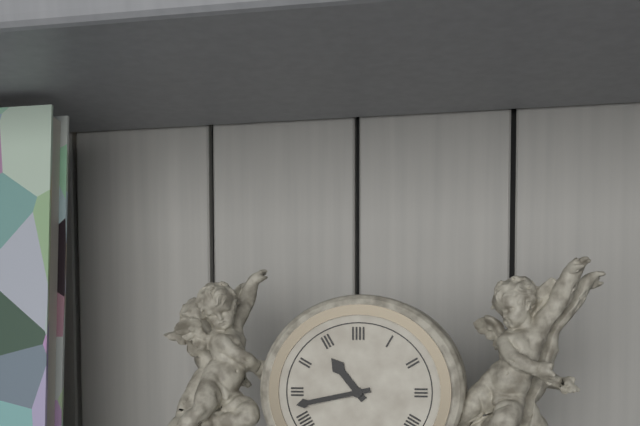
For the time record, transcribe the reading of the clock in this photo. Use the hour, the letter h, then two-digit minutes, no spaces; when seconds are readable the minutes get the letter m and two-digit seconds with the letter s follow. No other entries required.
10h43
